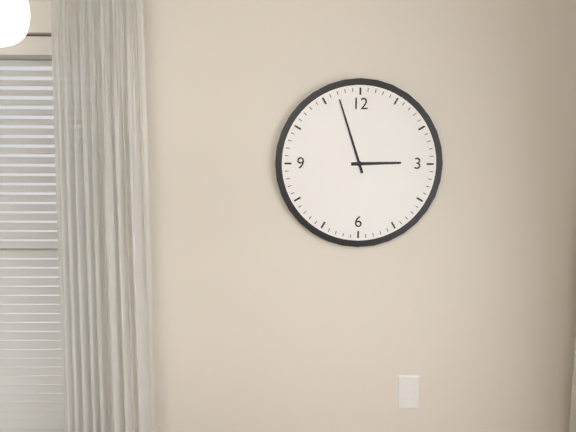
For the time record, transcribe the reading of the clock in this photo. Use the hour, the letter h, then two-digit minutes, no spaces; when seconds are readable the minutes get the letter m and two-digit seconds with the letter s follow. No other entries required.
2h57
